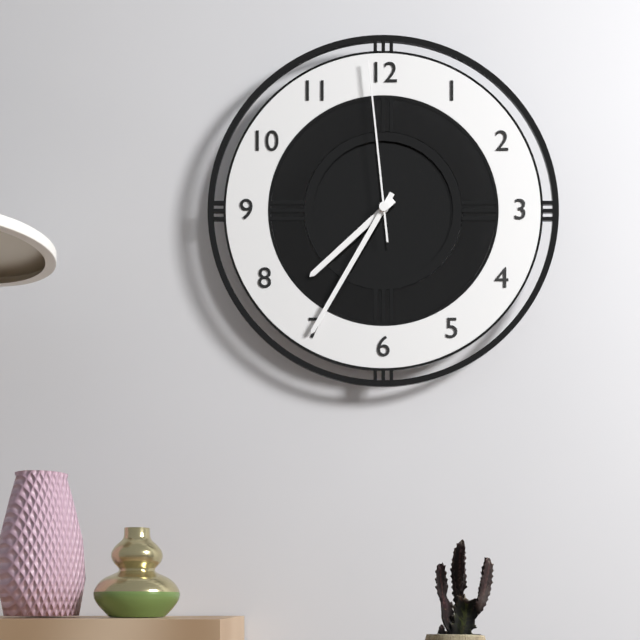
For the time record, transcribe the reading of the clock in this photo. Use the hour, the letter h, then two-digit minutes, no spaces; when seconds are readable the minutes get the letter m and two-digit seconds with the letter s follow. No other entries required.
7h35m59s
